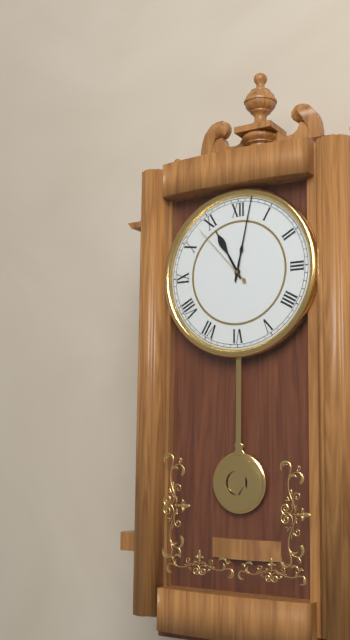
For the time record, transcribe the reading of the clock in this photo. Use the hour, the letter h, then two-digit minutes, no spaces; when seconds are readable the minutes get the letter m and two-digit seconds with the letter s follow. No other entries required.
11h02m53s
